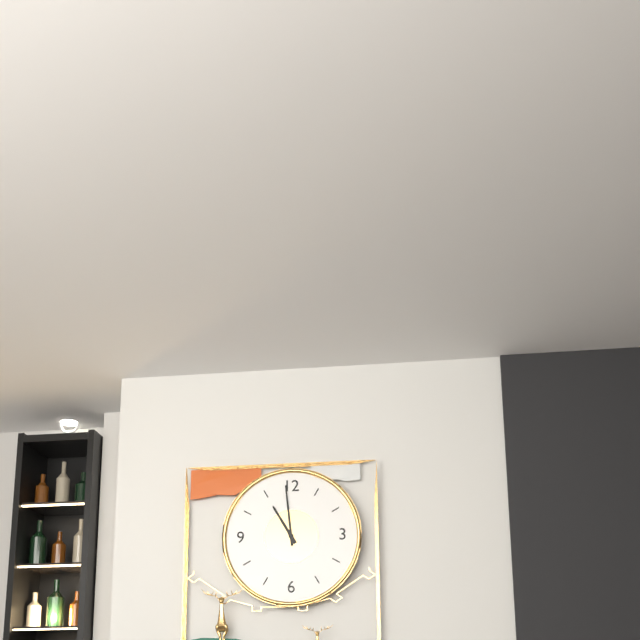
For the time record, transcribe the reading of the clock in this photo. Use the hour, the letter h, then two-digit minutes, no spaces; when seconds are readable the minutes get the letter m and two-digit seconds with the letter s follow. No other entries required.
10h59
